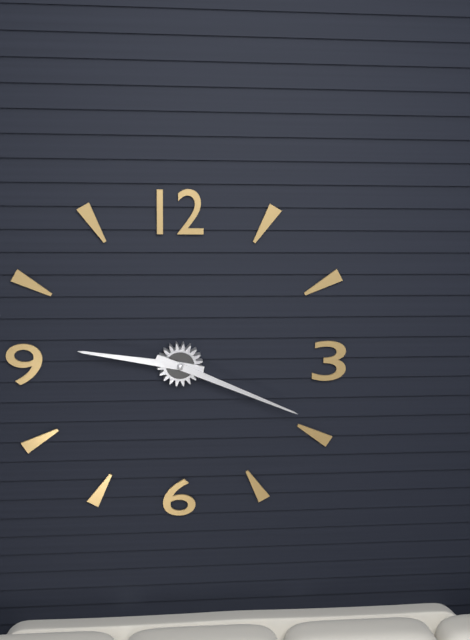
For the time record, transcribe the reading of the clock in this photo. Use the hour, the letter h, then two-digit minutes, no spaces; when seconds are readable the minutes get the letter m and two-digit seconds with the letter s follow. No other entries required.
9h19
